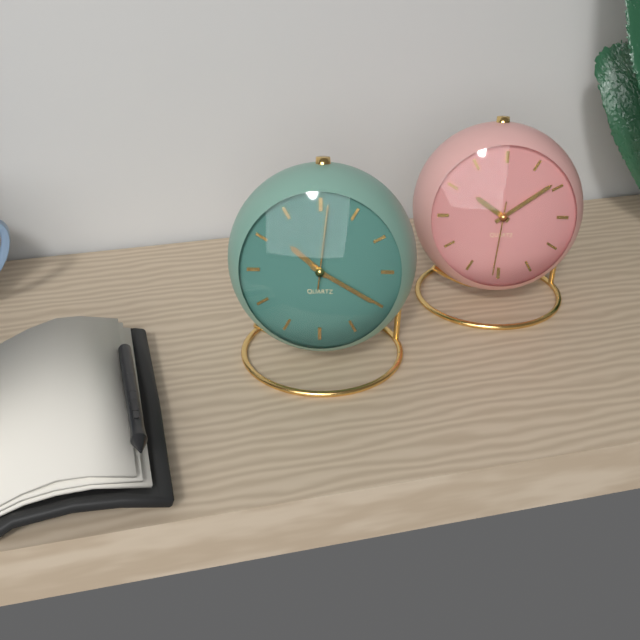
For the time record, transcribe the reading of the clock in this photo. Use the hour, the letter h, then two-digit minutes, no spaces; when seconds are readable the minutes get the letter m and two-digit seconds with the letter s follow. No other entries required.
10h20m01s
